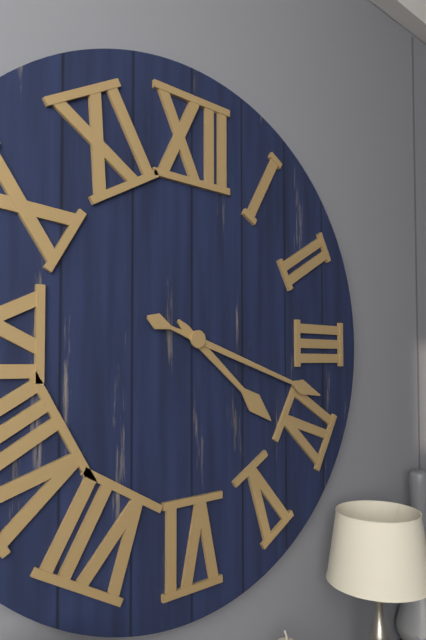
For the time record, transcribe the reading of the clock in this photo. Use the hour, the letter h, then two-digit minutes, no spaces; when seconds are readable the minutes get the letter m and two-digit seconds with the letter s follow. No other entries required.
4h18
